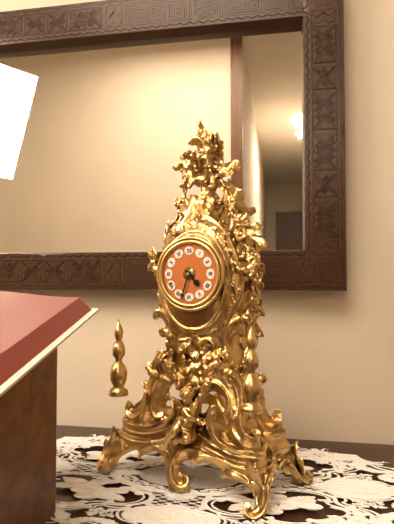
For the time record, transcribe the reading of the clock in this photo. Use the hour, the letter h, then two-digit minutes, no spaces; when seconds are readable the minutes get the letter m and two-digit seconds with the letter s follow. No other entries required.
4h33
